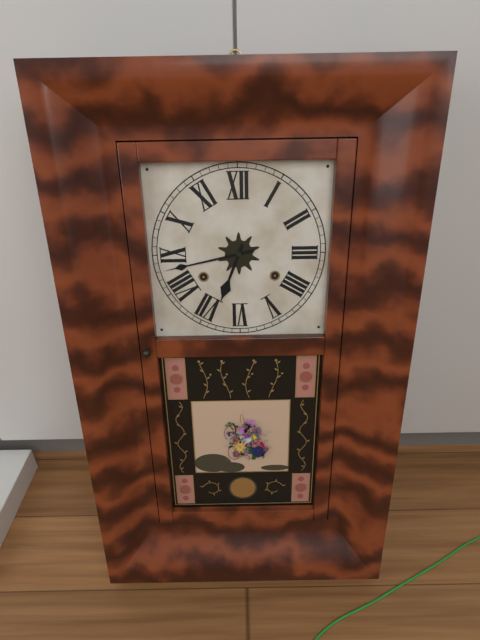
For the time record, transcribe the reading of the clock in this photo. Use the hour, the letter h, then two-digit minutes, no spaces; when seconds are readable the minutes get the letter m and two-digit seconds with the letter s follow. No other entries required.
6h43
